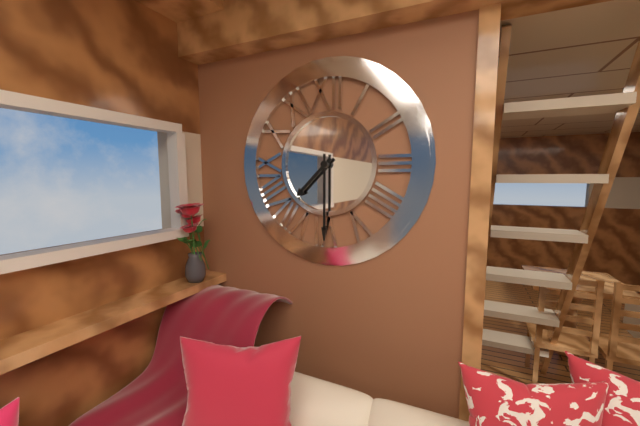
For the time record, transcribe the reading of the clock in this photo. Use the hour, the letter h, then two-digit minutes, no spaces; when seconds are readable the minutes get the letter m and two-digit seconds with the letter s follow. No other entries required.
7h30
